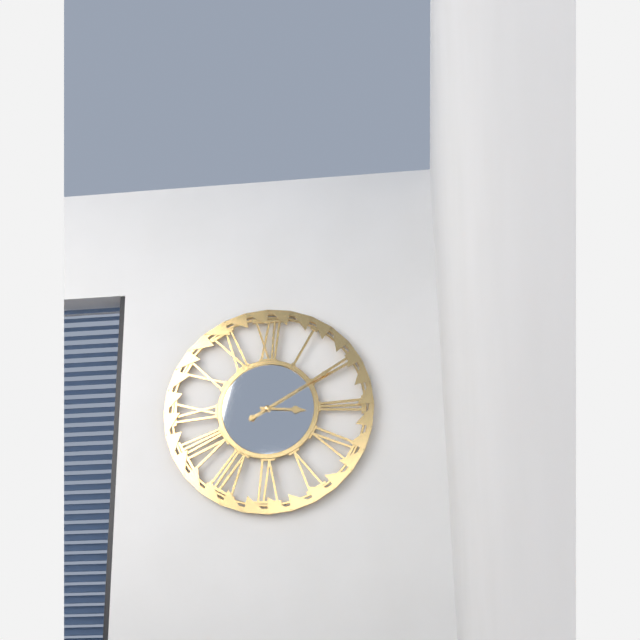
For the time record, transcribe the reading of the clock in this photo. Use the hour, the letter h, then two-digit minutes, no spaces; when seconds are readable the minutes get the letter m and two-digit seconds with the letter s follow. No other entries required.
3h10
